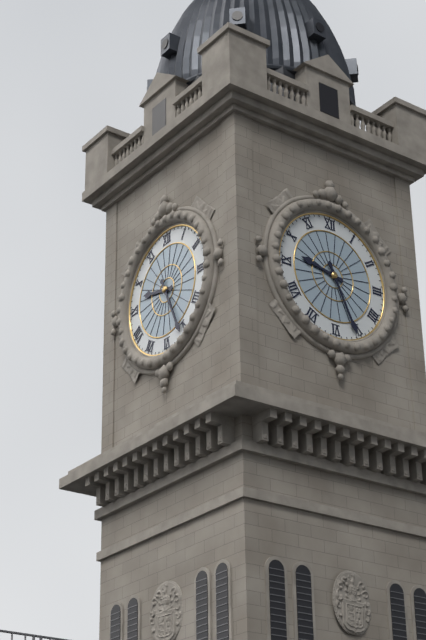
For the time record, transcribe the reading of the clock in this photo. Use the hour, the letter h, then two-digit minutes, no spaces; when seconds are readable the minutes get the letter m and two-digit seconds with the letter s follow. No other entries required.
9h26
